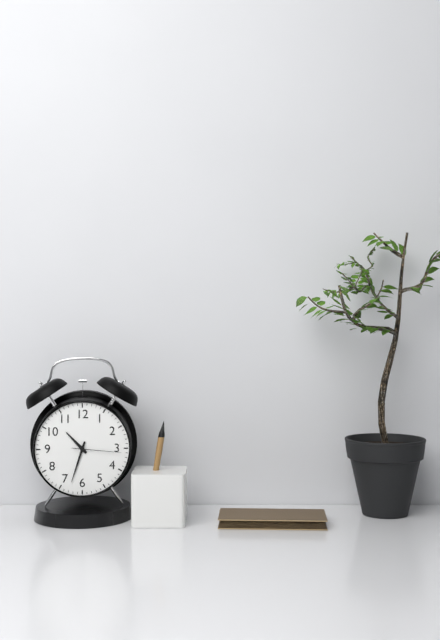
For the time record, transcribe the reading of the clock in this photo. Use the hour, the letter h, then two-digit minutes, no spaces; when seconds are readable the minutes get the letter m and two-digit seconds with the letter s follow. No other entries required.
10h33
